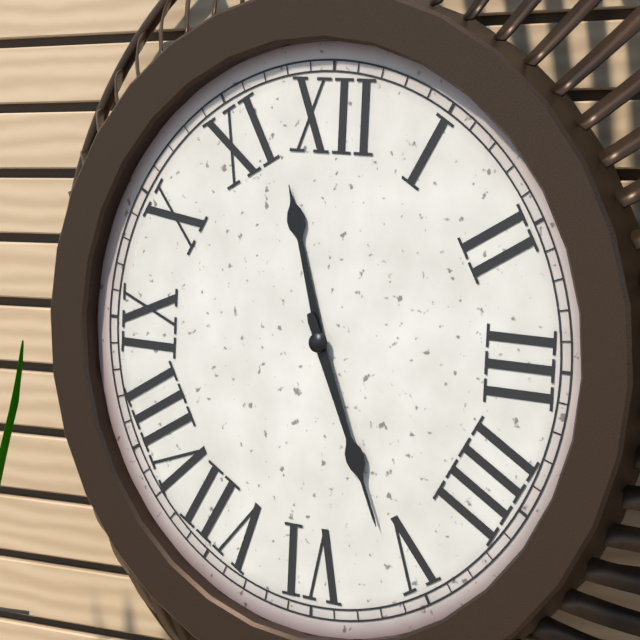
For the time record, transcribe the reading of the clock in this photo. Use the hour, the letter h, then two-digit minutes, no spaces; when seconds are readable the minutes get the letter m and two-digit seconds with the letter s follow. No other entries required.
11h26
